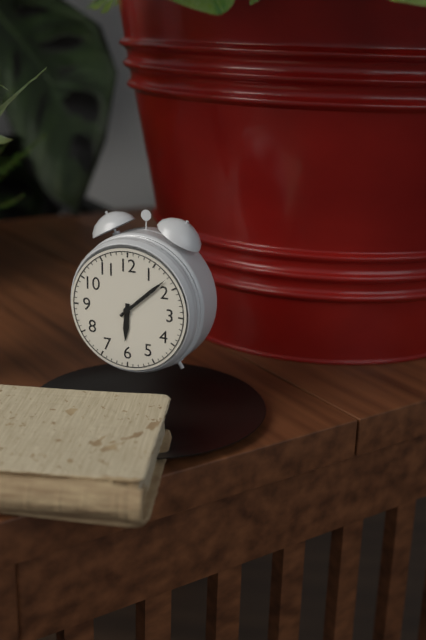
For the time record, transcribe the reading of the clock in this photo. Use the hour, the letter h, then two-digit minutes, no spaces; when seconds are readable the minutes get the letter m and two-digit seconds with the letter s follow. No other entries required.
6h08
